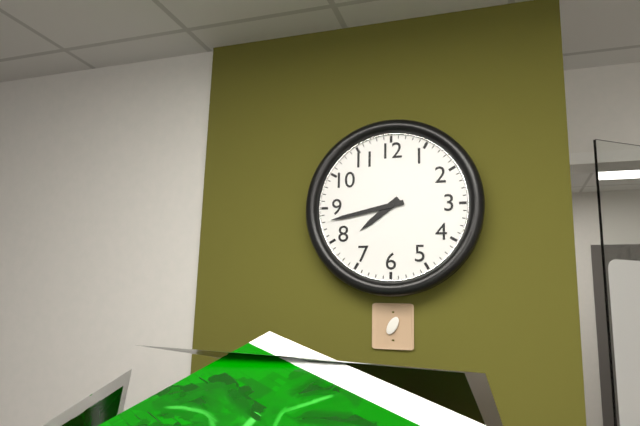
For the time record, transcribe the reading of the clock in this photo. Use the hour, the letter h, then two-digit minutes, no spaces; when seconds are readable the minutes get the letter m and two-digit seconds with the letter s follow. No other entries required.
7h43
